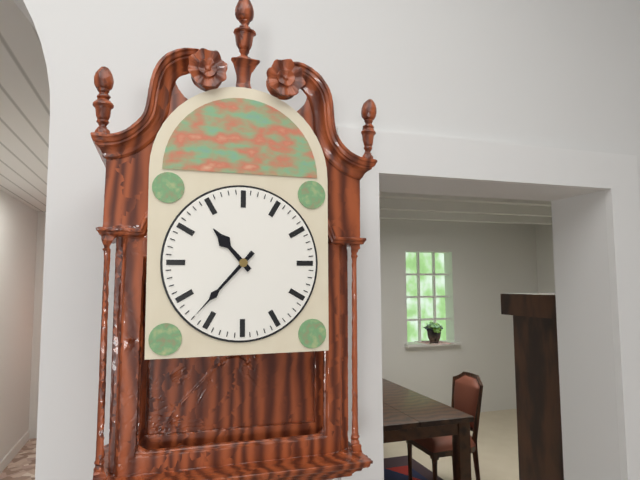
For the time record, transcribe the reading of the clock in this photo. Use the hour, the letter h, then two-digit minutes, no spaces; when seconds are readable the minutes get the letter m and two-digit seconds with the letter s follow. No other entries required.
10h37
